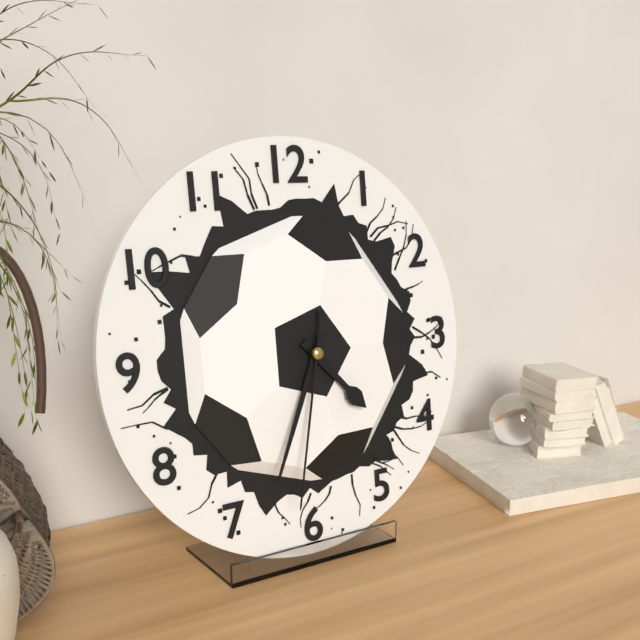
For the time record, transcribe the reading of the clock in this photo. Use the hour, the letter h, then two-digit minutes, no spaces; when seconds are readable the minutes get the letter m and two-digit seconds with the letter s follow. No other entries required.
4h34m32s
